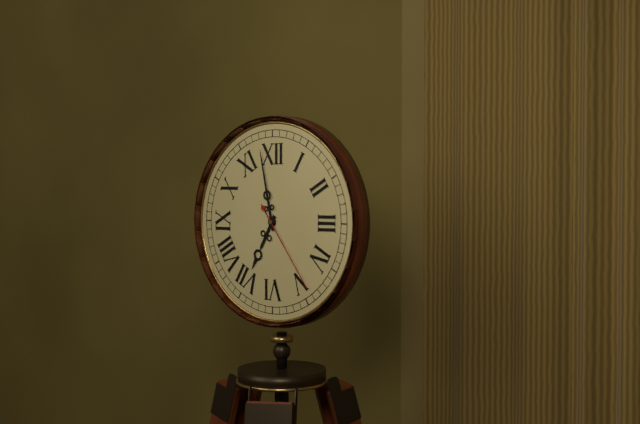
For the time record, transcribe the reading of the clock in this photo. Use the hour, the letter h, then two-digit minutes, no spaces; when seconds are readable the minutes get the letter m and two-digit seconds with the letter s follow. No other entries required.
6h58m24s
